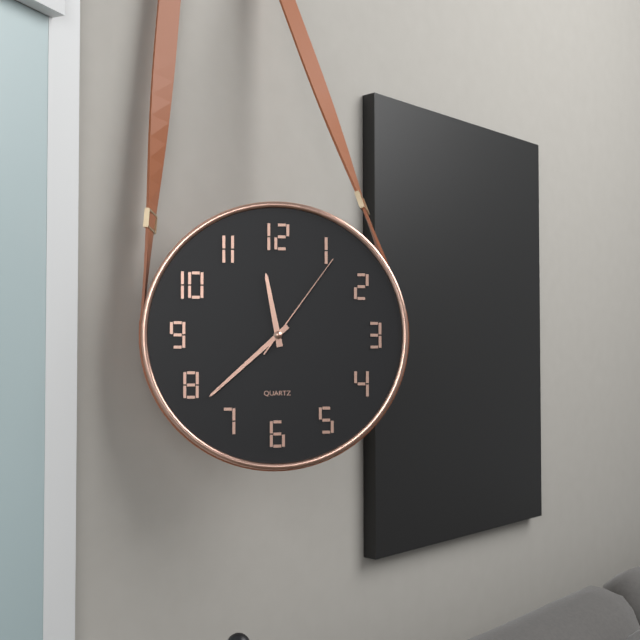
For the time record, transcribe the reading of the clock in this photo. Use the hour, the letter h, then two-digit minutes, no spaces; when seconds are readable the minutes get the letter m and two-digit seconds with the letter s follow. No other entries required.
11h38m06s
